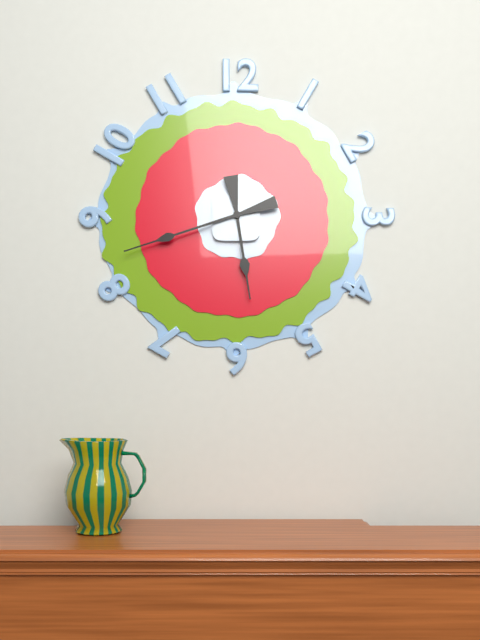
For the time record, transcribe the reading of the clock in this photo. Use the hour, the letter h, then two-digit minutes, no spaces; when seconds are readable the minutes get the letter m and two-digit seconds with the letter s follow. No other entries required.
5h42
